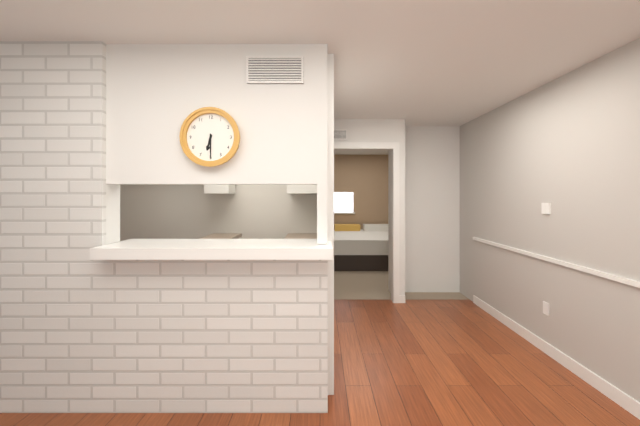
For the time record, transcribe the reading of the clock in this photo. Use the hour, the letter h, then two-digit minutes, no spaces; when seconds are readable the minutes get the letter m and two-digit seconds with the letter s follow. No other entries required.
6h30
